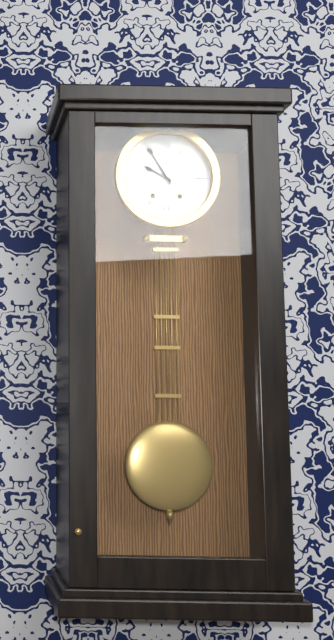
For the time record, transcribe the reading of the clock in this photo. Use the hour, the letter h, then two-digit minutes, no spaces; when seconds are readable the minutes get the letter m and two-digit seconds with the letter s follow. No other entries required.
9h55
